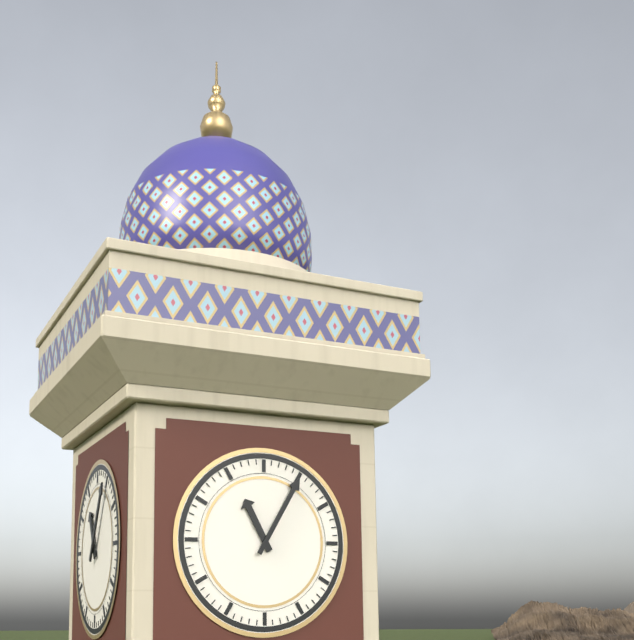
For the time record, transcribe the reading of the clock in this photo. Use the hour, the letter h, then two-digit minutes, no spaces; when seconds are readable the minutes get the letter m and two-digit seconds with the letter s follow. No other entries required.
11h05
